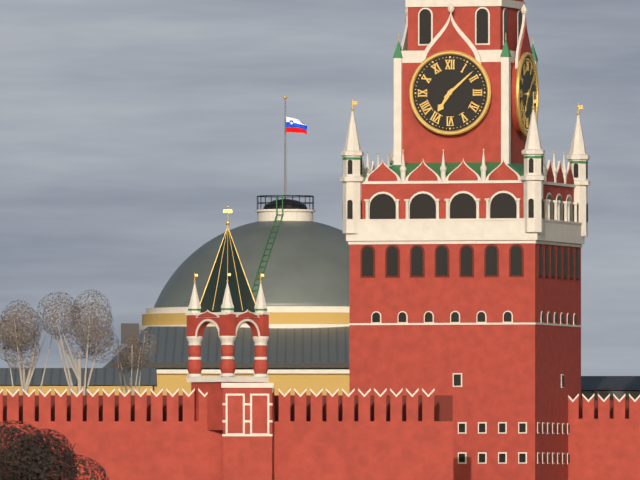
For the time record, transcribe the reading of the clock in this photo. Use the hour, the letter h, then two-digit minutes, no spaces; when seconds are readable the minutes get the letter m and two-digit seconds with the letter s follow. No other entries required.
7h08
